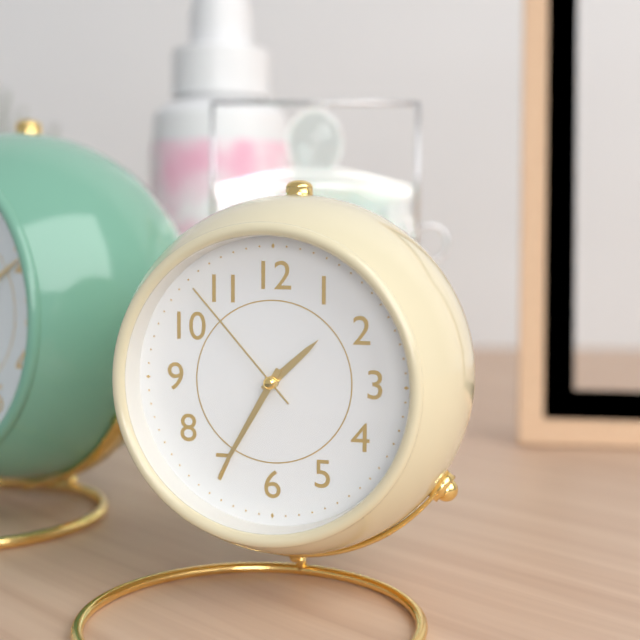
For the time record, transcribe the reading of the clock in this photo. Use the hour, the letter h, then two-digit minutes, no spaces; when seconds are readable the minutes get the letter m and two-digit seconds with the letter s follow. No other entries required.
1h35m53s
